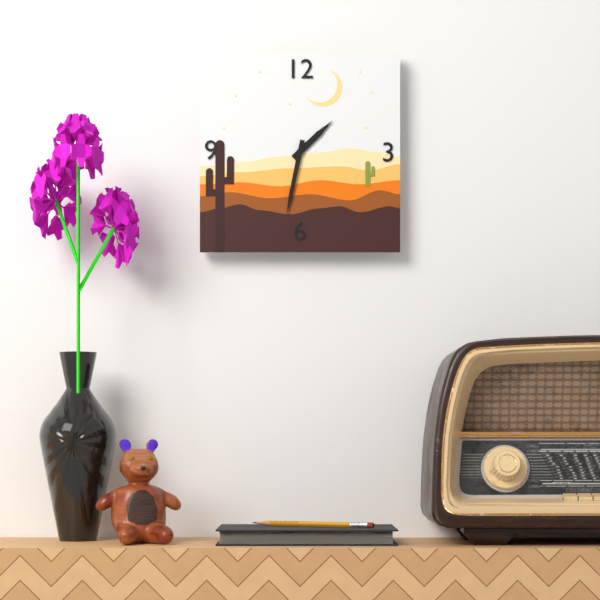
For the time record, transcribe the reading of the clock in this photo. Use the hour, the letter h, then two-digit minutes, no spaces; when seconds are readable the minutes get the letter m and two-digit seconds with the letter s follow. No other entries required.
1h32
